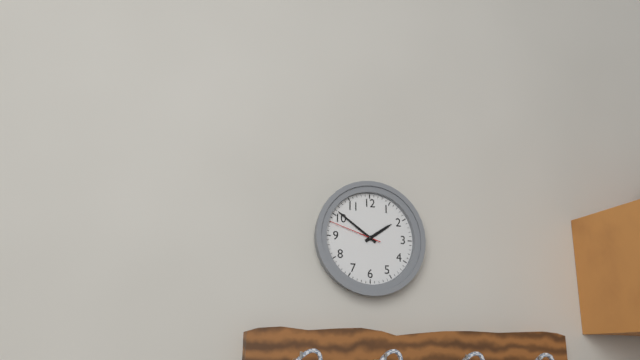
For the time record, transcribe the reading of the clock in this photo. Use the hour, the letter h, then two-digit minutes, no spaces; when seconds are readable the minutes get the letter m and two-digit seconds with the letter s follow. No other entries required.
1h51m48s
